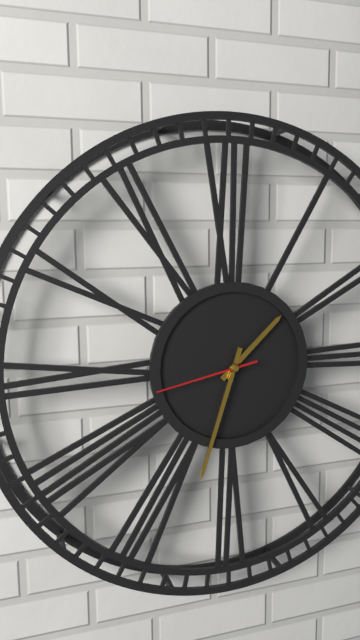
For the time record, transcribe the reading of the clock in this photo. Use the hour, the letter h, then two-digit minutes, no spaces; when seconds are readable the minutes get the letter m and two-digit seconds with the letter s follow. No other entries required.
1h33m43s
